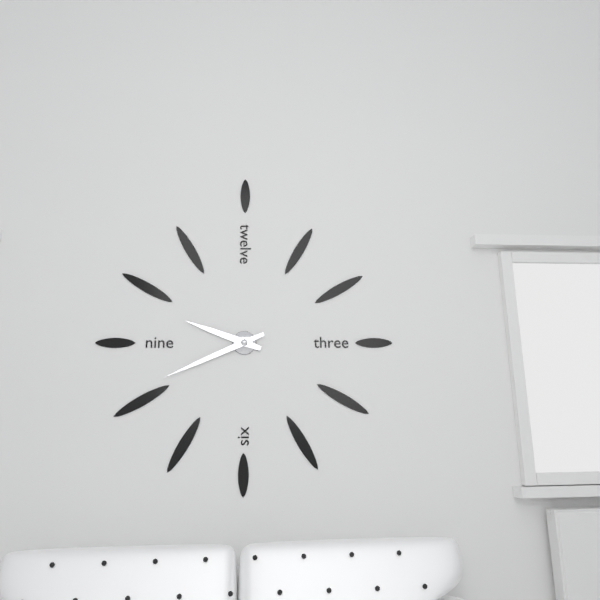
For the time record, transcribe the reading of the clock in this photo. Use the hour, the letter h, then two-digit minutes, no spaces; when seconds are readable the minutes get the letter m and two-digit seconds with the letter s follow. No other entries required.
9h41
